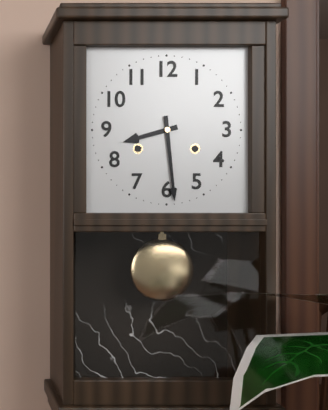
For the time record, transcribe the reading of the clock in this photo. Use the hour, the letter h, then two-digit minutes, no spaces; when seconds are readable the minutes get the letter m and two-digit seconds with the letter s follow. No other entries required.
8h29
